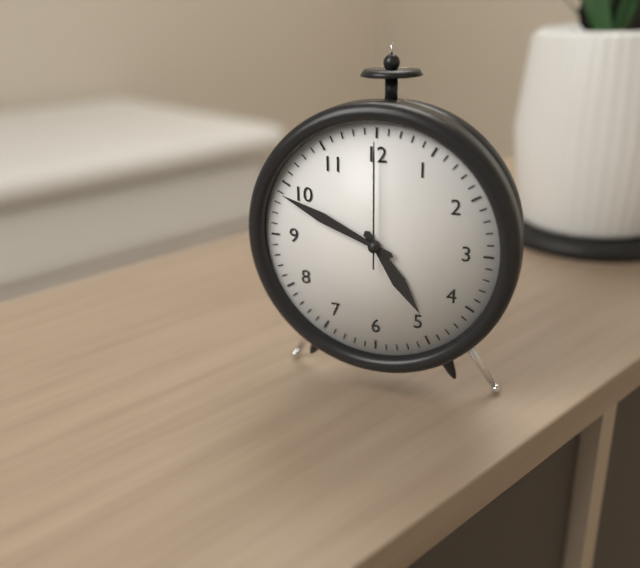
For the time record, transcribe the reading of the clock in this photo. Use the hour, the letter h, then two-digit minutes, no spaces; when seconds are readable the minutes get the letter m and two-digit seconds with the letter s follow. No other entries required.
4h49m00s
